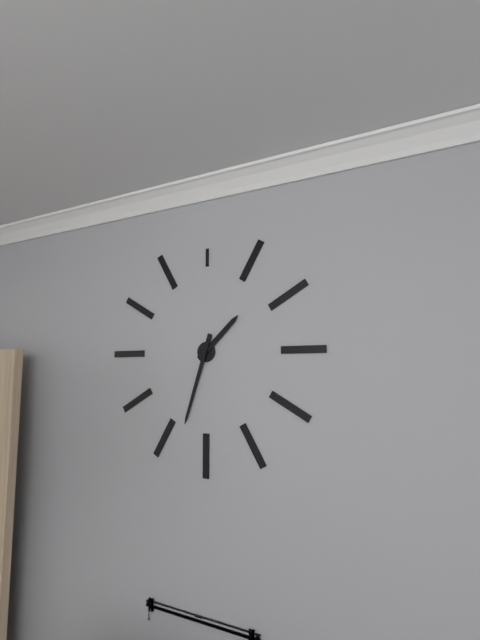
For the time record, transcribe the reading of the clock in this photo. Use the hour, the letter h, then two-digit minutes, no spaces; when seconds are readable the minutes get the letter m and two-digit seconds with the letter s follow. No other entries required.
1h33
